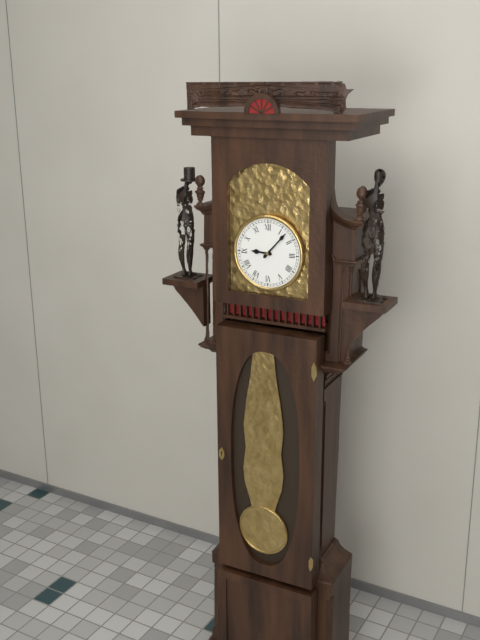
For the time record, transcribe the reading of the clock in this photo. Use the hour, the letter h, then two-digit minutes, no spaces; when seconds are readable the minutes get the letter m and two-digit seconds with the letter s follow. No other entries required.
9h07
